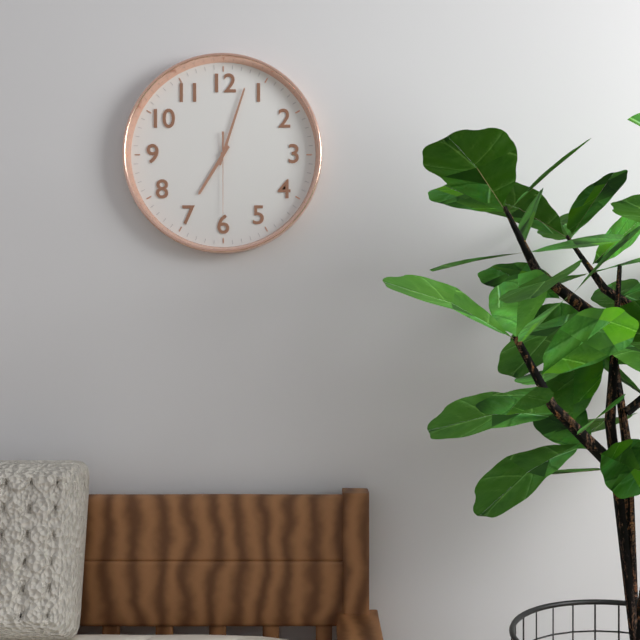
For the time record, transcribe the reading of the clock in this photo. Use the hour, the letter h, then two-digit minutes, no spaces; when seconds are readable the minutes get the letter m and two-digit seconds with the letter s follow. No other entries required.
7h03m30s
